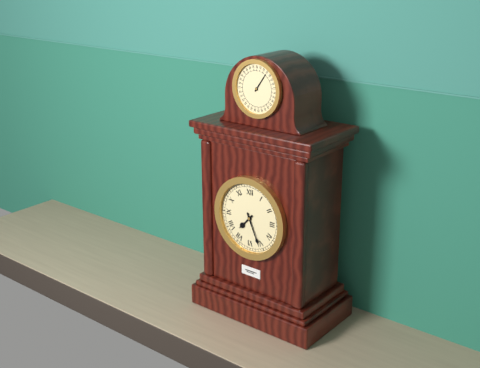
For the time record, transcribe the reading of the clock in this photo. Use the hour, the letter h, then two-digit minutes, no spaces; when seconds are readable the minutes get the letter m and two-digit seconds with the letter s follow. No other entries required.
7h26
